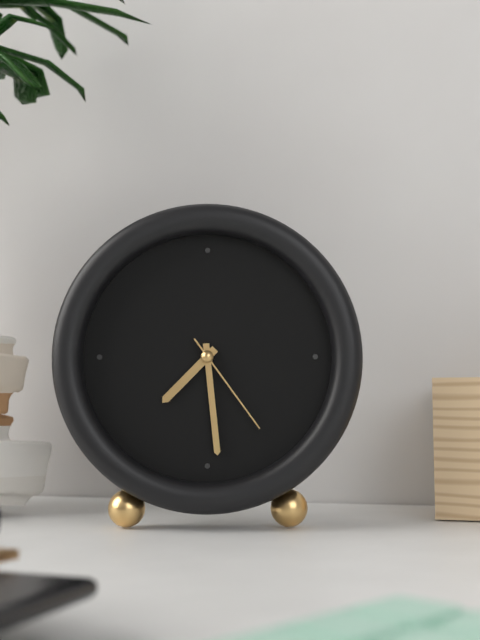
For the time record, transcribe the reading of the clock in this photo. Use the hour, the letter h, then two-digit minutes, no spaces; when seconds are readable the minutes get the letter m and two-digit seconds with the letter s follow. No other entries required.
7h29m24s
